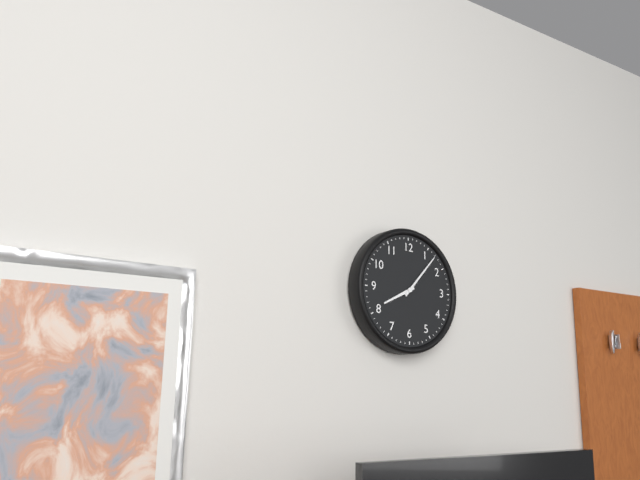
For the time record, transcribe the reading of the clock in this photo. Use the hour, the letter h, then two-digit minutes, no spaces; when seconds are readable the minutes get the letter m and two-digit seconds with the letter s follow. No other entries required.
8h07
